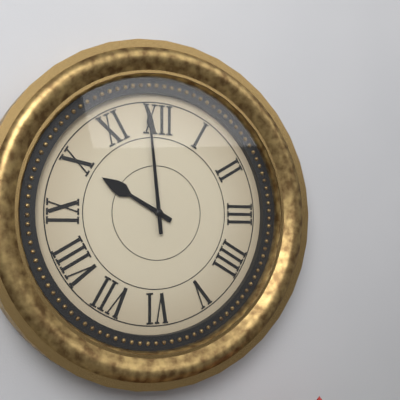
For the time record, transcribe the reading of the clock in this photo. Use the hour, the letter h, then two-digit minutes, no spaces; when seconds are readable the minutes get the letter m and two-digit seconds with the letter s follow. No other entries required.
9h59
